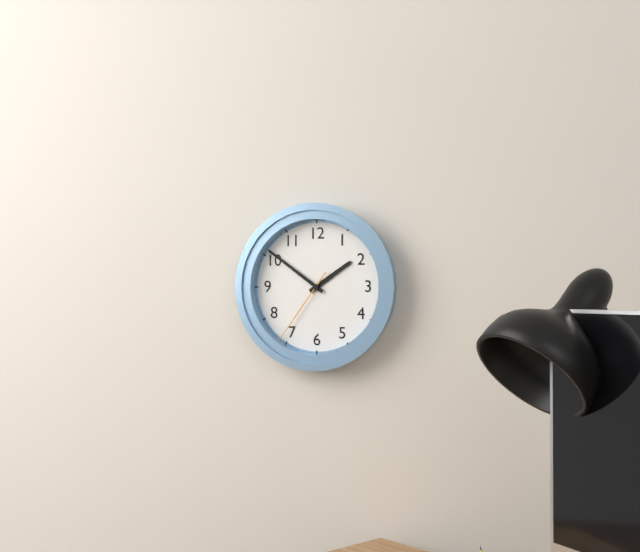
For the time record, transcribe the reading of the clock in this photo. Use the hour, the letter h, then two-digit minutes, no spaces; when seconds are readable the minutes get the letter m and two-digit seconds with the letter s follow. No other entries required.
1h51m36s
